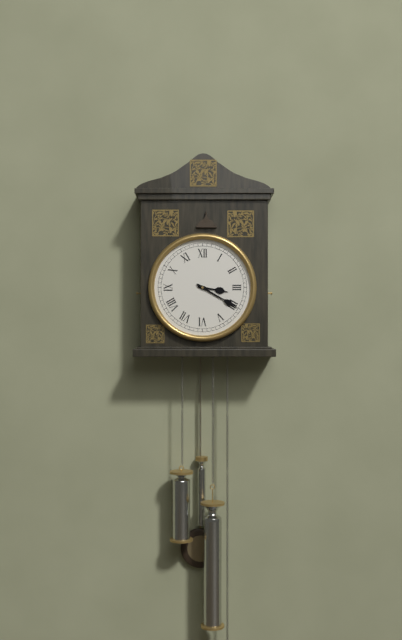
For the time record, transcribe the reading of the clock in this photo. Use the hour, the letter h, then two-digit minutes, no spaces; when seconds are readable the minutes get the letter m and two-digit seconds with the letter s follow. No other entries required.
3h20
